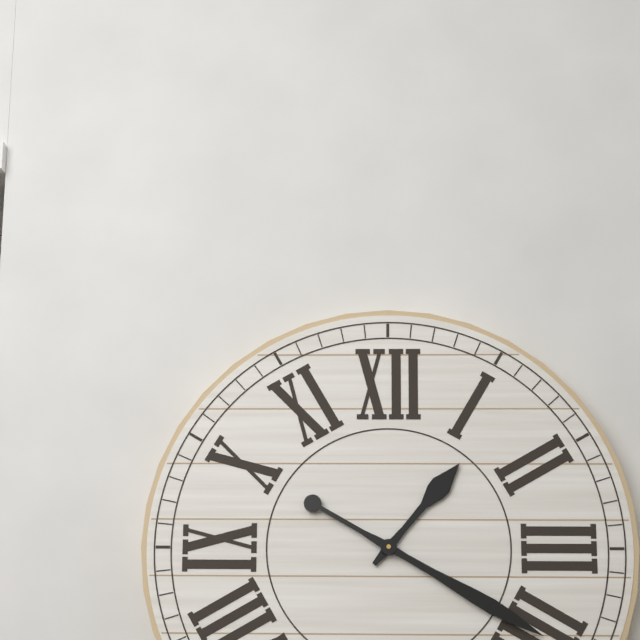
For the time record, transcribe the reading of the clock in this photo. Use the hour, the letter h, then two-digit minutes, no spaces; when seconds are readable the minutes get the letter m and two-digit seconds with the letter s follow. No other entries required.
1h20
